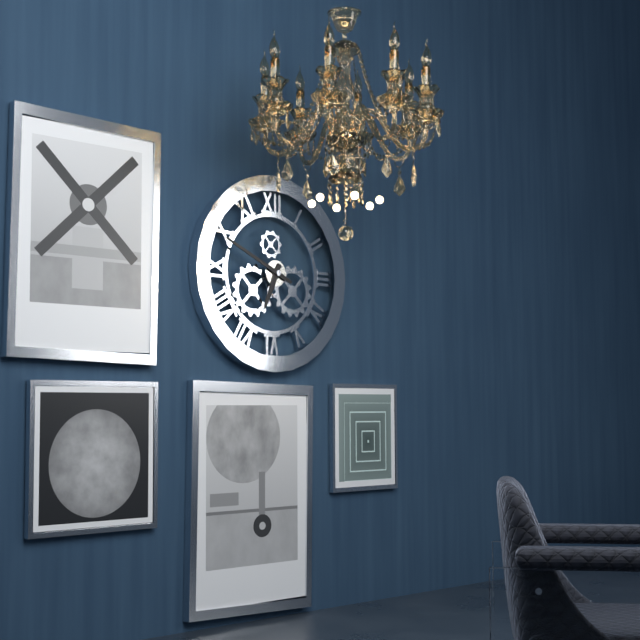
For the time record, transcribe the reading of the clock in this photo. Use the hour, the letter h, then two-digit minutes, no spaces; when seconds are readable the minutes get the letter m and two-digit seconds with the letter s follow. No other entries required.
6h49
